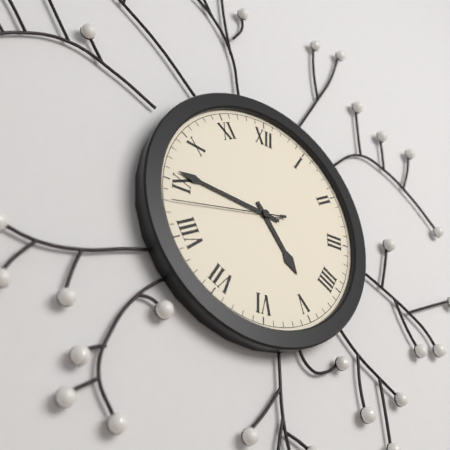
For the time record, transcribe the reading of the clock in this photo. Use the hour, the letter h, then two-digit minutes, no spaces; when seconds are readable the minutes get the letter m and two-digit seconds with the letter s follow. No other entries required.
4h46m43s
